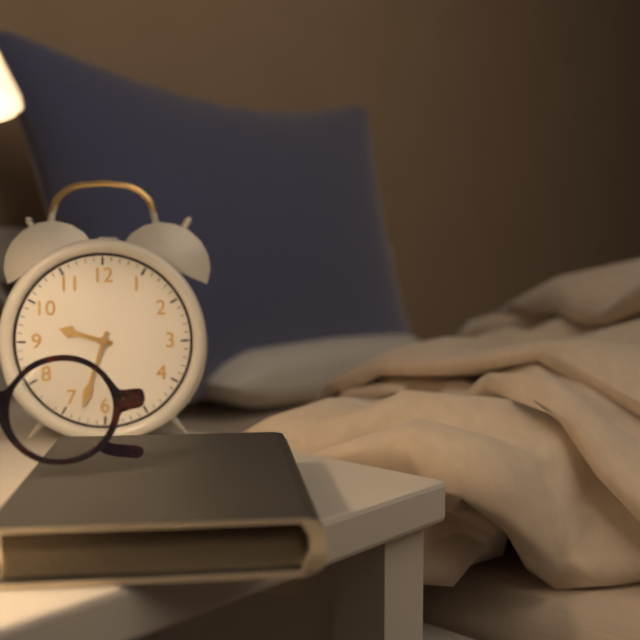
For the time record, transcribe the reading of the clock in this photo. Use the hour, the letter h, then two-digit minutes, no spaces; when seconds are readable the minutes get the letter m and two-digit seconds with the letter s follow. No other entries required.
9h33
